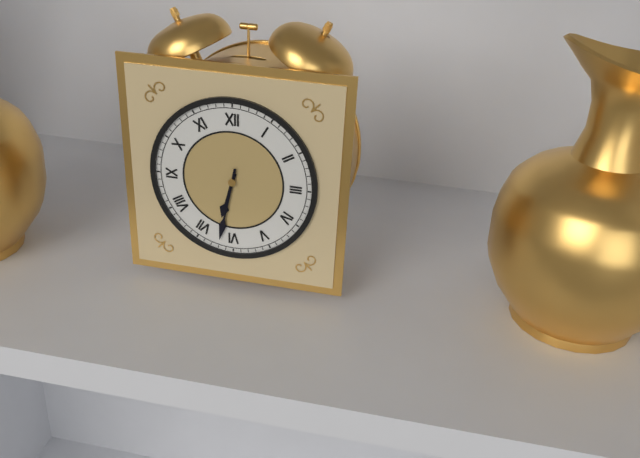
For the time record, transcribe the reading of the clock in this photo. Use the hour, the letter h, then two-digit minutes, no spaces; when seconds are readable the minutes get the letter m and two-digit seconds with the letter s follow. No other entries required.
6h32
